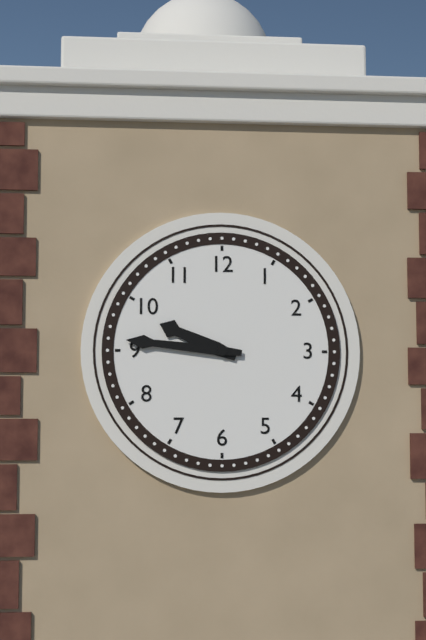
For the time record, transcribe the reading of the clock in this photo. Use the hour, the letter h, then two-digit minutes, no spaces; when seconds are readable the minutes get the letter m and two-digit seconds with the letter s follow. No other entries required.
9h46
